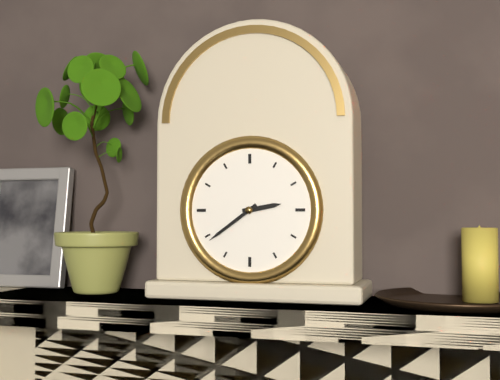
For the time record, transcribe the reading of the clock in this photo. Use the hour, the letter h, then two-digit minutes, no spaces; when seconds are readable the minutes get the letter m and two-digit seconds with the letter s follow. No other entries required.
2h39
